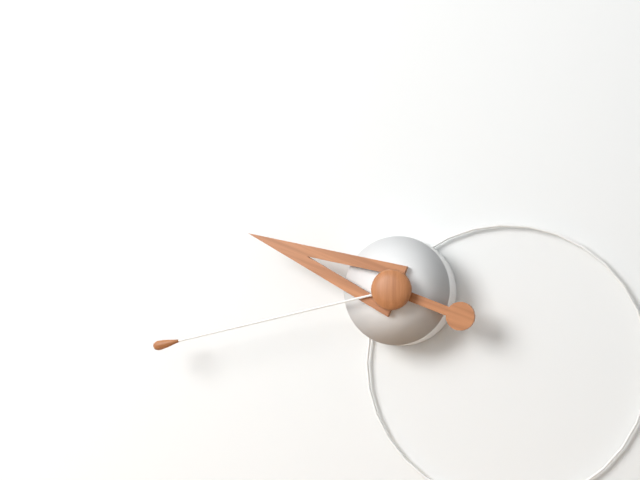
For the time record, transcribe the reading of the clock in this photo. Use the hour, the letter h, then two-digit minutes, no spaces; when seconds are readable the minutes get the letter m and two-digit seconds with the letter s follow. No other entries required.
9h43
